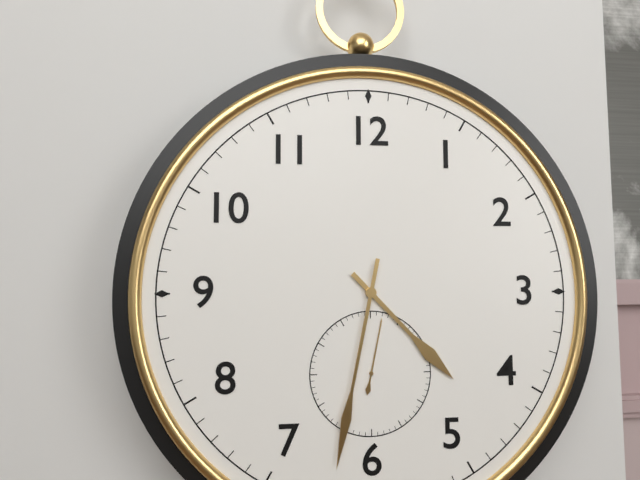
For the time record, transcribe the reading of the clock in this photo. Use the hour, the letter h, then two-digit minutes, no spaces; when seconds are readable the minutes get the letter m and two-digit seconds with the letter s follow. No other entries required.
4h32m02s
